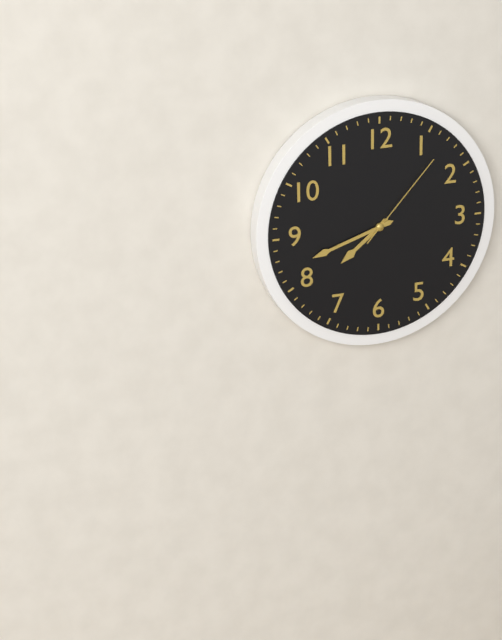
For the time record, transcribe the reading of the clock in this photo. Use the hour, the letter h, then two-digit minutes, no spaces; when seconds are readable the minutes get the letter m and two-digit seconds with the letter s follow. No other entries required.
7h42m07s
